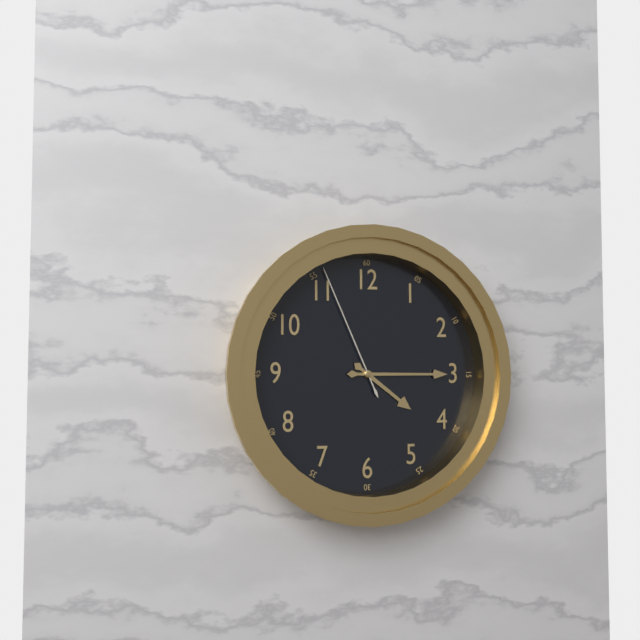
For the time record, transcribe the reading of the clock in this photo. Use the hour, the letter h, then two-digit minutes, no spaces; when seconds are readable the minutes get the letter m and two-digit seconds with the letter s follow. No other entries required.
4h15m56s
